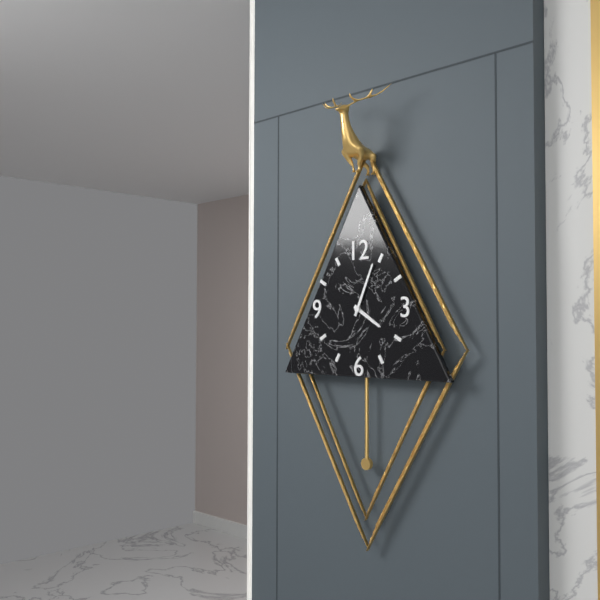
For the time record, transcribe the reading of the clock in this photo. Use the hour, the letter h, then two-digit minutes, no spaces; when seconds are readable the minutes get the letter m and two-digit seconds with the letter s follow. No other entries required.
4h04
